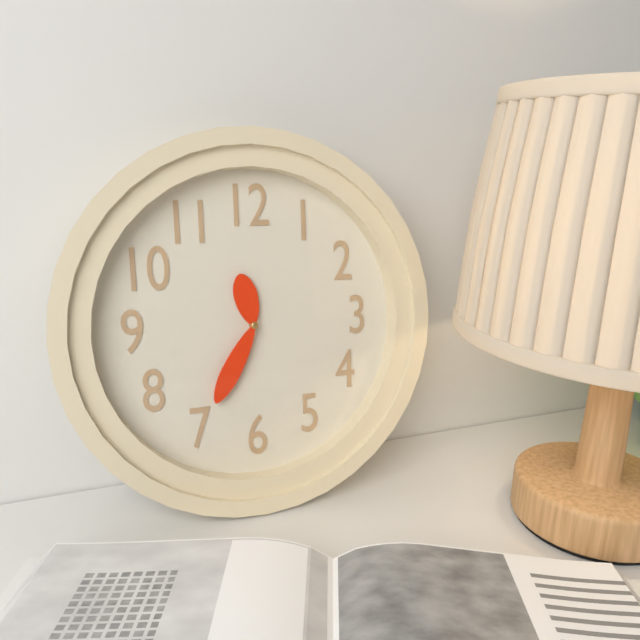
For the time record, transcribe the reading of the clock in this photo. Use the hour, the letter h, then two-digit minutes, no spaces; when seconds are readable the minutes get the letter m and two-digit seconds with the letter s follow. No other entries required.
11h35
